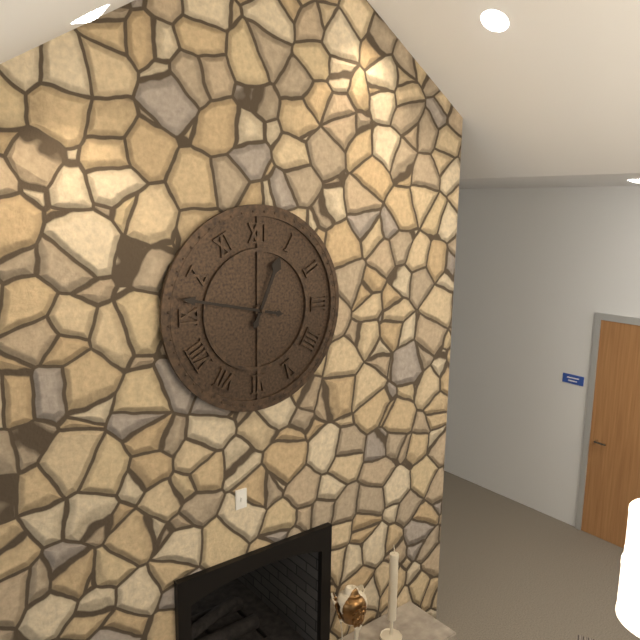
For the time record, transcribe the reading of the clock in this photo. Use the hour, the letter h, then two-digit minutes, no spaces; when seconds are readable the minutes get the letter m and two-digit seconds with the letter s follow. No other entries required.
12h47
